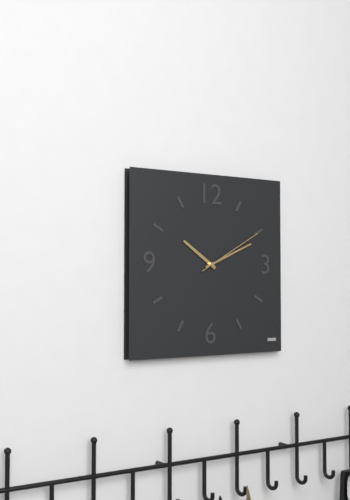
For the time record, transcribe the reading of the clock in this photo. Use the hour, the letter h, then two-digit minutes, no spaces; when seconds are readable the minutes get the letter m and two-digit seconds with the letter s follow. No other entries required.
10h11m10s
